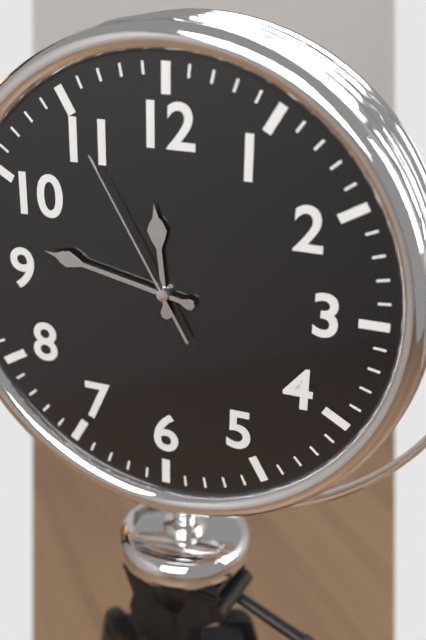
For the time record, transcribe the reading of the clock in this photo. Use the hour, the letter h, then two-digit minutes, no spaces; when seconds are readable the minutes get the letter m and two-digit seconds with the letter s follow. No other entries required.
11h47m55s
